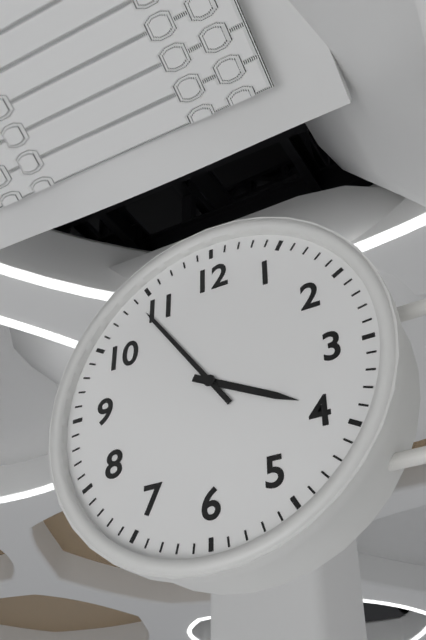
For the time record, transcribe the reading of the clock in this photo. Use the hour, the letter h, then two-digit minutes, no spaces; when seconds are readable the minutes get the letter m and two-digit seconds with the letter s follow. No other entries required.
3h54
